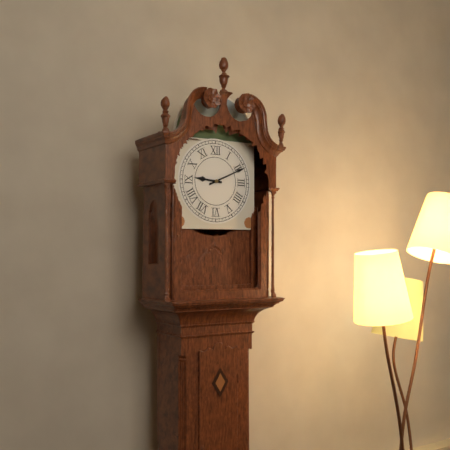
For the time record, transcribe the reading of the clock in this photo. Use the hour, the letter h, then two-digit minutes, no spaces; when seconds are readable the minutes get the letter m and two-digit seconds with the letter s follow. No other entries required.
9h11
